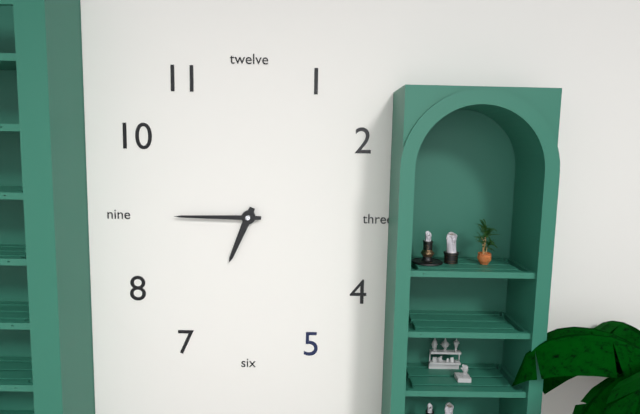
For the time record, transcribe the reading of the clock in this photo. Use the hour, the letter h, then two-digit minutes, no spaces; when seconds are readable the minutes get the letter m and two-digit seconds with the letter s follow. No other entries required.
6h45
